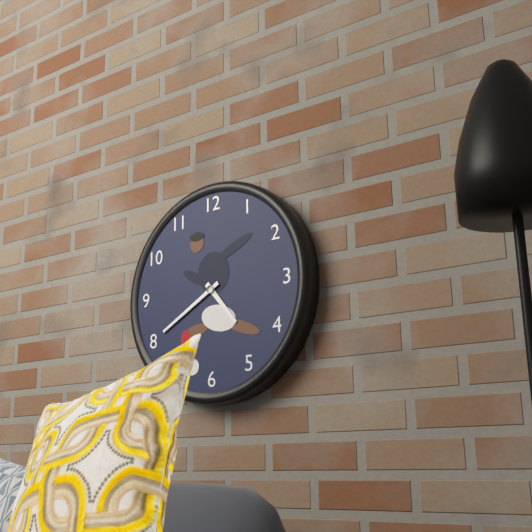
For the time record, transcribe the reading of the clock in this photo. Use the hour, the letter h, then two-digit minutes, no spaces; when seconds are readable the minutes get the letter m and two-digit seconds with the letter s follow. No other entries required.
4h40
